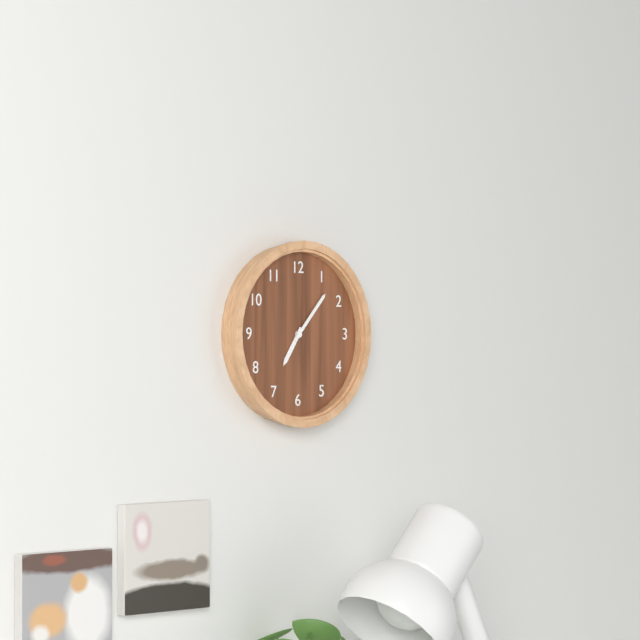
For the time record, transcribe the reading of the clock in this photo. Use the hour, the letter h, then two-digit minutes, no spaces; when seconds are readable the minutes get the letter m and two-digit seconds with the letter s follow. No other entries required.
7h07
